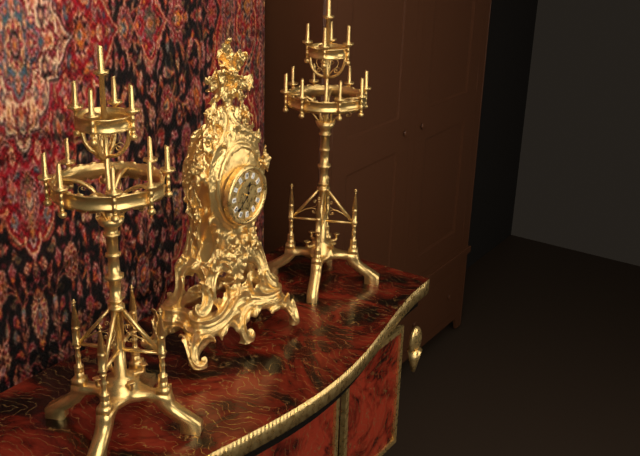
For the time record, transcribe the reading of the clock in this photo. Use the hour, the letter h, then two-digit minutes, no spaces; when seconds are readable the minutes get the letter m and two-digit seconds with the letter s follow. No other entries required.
12h38
